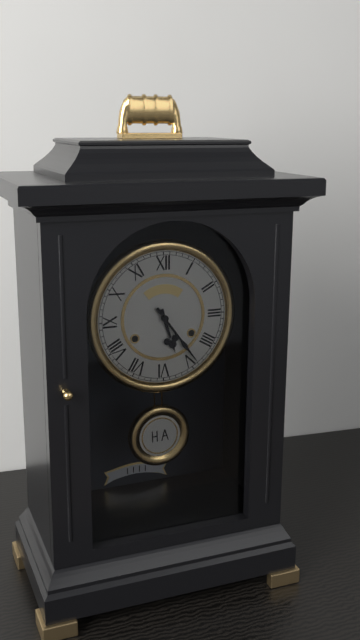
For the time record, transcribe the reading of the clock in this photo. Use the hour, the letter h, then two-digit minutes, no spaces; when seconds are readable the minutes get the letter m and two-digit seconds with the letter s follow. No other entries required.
5h24
